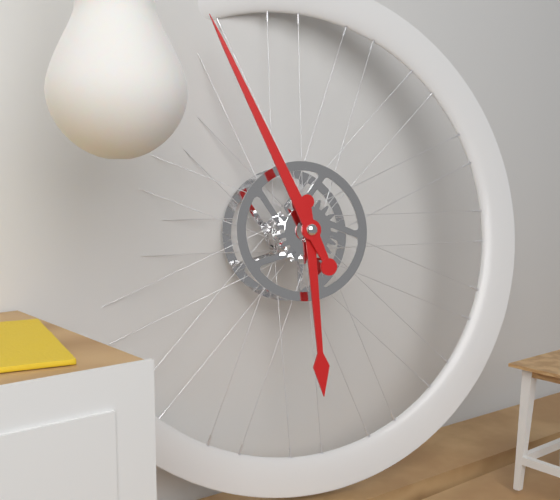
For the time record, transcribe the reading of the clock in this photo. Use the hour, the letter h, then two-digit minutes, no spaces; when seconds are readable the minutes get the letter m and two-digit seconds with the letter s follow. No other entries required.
5h56
